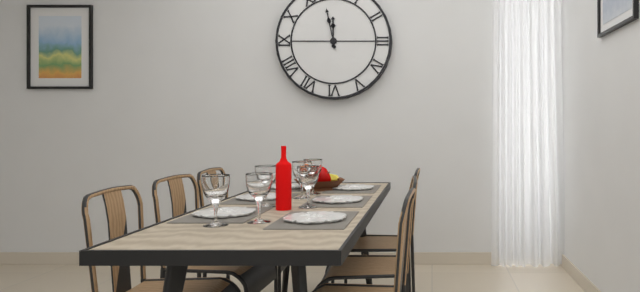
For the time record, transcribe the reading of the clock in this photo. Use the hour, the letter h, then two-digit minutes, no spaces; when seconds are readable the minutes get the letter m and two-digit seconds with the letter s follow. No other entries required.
11h58
